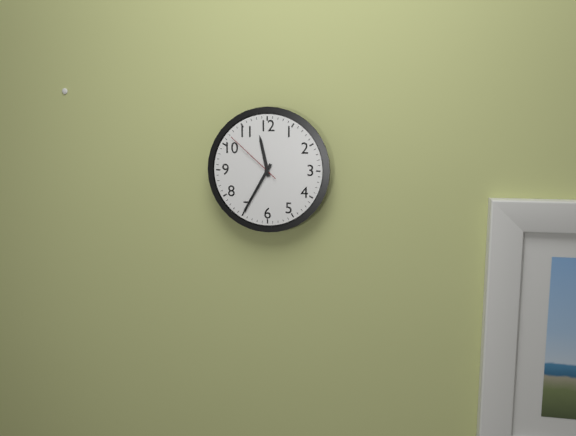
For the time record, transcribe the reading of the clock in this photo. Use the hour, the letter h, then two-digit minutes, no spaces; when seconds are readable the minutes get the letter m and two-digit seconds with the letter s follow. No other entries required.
11h35m52s
